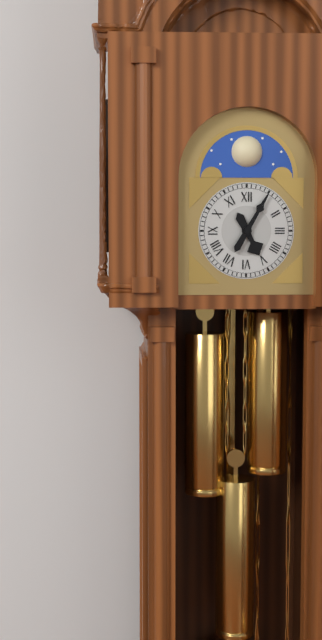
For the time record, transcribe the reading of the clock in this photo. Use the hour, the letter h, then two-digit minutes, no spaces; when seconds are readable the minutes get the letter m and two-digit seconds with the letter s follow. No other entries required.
5h05
